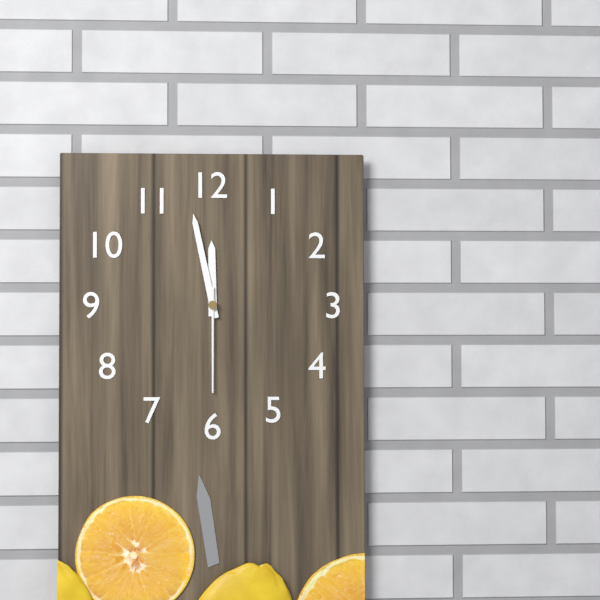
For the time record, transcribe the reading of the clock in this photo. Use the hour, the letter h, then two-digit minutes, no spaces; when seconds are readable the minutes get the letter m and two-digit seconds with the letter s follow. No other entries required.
11h58m30s
